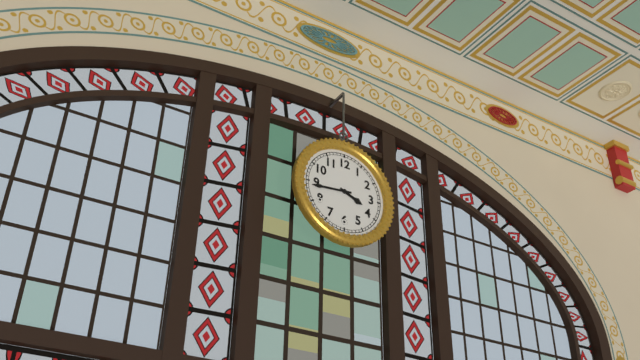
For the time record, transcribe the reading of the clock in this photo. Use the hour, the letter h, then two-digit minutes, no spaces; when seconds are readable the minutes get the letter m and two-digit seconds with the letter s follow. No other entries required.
3h44
